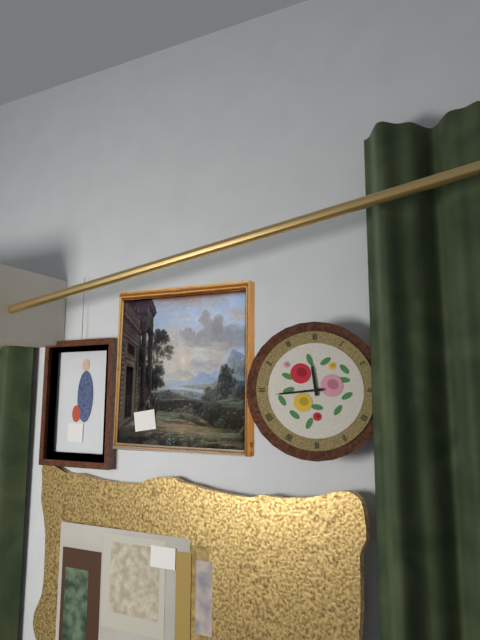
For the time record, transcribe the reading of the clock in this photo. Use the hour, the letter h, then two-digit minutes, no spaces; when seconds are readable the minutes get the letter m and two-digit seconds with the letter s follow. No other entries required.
11h44
